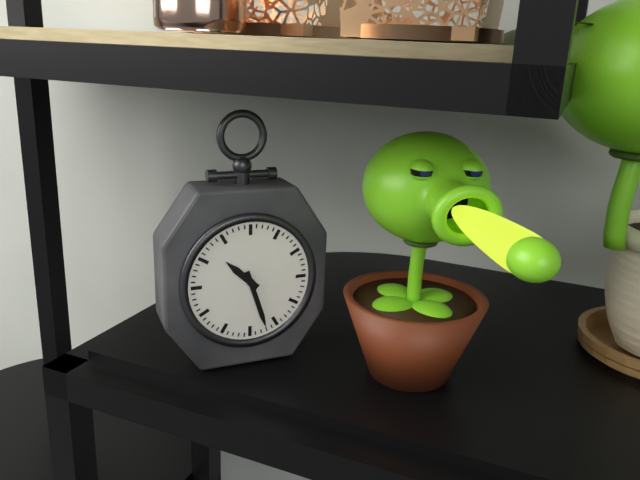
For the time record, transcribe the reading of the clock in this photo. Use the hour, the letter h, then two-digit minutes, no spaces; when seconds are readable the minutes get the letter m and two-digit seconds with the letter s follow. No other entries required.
10h27
